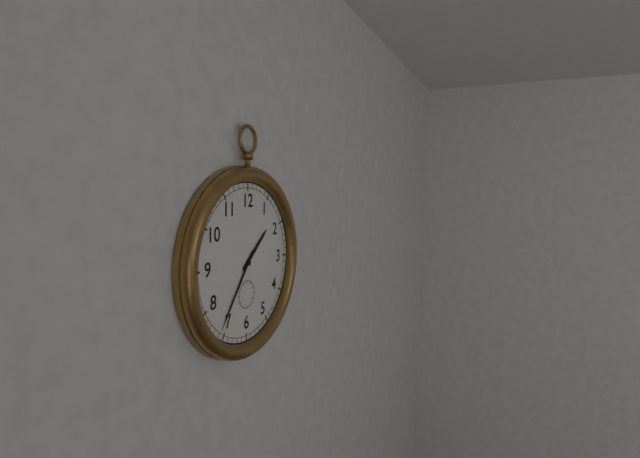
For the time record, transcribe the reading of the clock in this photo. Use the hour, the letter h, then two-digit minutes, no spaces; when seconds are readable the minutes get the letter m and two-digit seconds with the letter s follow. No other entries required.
1h36
